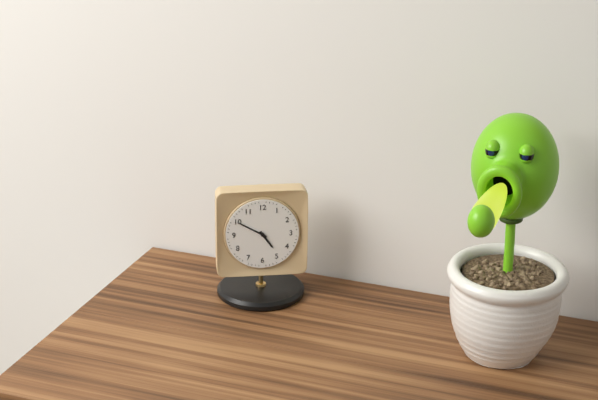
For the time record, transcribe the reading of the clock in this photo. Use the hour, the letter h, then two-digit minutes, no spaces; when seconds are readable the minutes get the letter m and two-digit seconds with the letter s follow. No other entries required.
4h50
